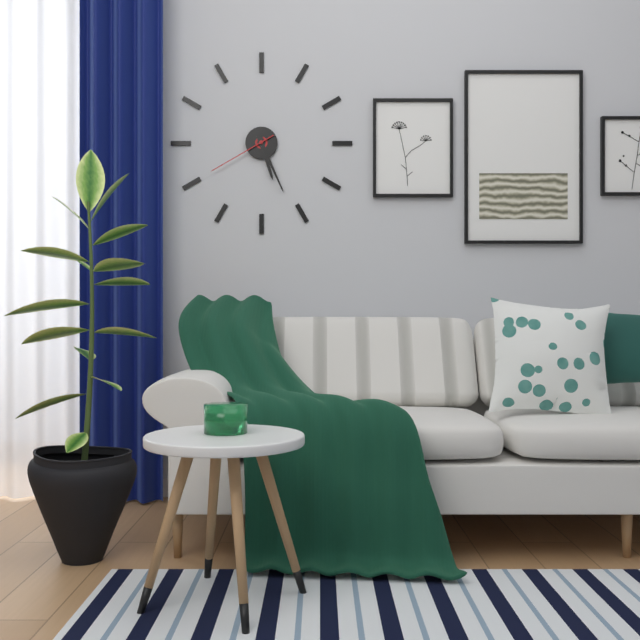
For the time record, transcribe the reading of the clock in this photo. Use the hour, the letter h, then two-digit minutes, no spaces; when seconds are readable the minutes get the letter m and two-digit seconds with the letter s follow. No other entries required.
5h26m40s
